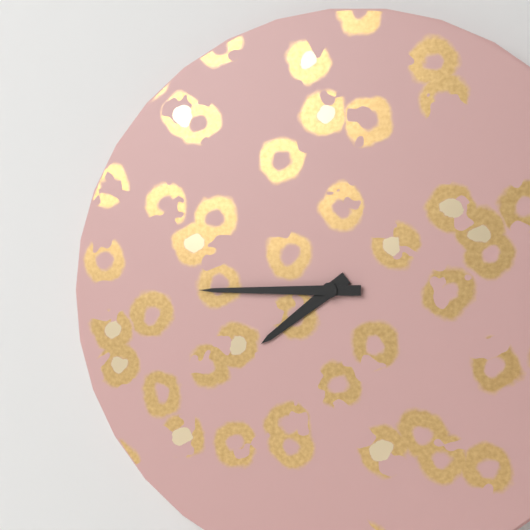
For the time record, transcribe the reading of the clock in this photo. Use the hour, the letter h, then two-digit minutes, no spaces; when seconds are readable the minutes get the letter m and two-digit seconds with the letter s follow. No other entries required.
7h45
